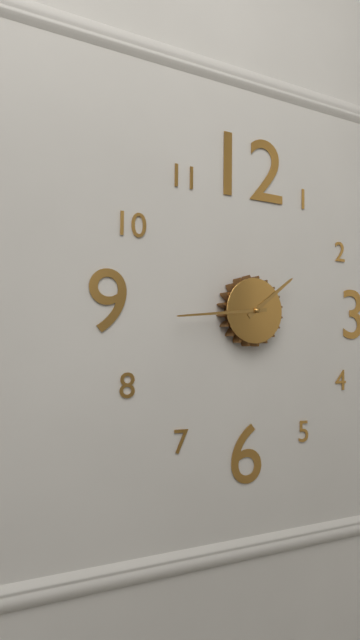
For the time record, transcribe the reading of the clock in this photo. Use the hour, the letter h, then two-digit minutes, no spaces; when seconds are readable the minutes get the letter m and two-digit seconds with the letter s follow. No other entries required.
1h44
